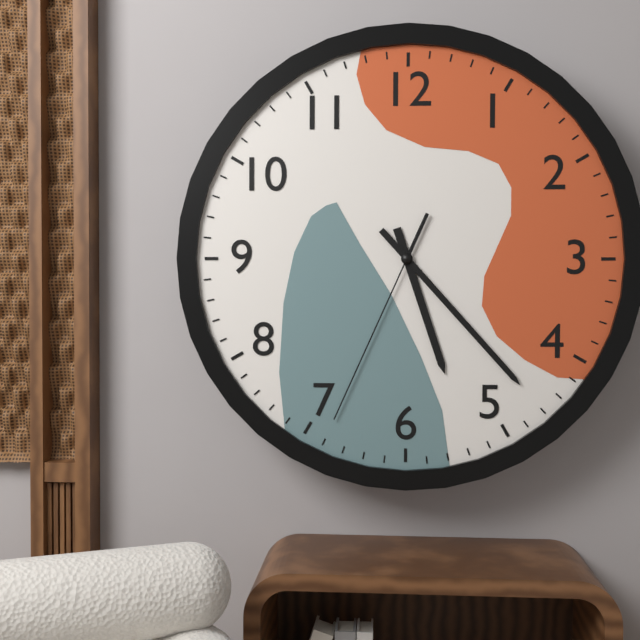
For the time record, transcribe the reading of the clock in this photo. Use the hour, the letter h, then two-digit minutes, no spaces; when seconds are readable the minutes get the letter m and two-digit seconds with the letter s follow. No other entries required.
5h23m34s
